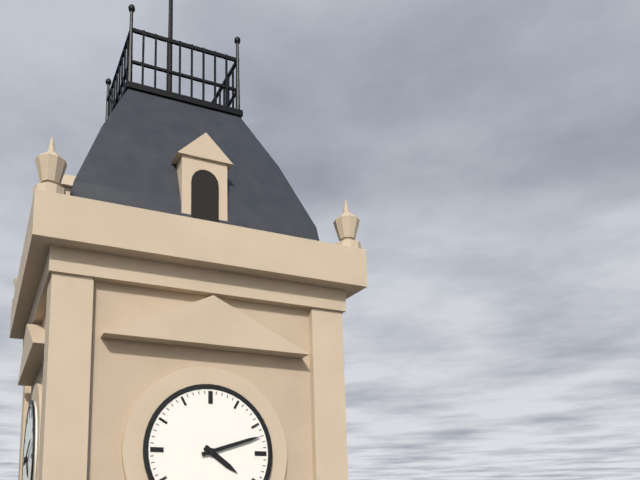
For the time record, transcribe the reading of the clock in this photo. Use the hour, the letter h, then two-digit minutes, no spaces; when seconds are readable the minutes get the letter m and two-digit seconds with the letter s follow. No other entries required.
4h12
